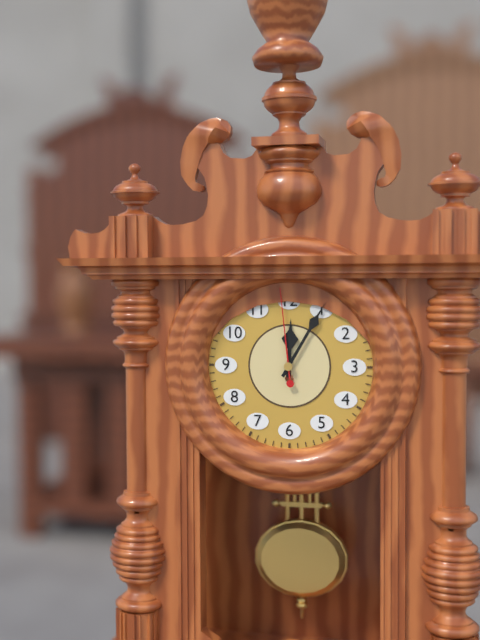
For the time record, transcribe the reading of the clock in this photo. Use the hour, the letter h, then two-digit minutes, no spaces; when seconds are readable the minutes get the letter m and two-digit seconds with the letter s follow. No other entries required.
12h05m59s
